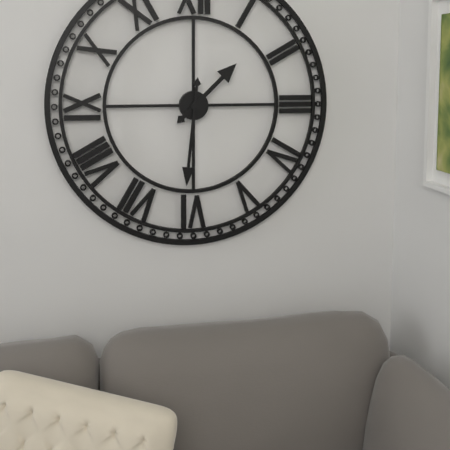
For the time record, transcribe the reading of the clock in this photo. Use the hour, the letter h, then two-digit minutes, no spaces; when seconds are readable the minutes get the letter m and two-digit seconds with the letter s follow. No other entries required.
1h31
